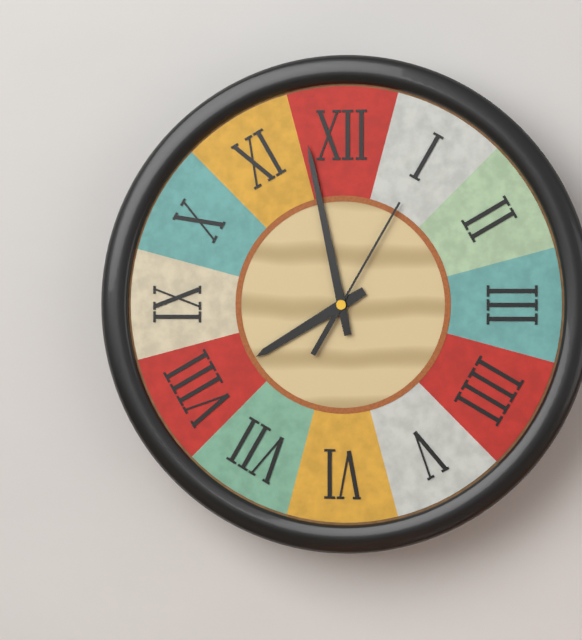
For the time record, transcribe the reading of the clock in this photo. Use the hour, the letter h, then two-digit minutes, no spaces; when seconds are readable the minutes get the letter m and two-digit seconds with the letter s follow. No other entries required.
7h58m05s
